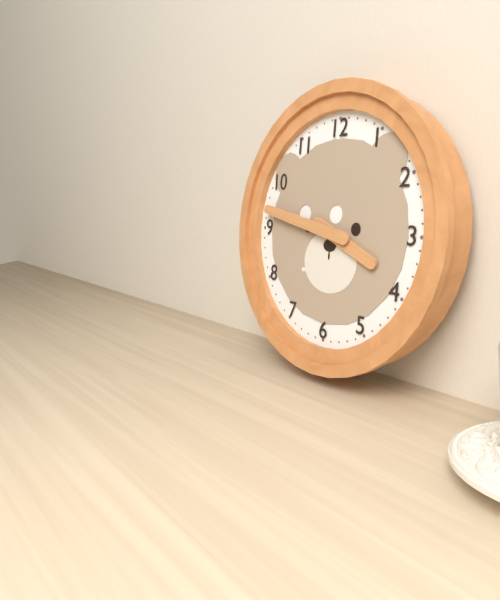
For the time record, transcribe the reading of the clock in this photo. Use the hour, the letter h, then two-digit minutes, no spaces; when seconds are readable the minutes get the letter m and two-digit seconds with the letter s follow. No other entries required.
3h47
